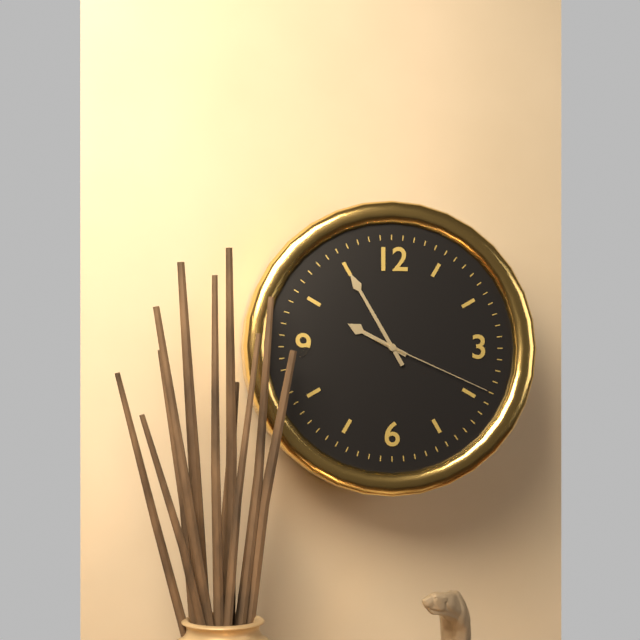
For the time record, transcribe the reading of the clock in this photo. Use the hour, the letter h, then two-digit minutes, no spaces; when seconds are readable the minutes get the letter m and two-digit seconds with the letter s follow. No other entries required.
9h55m19s
